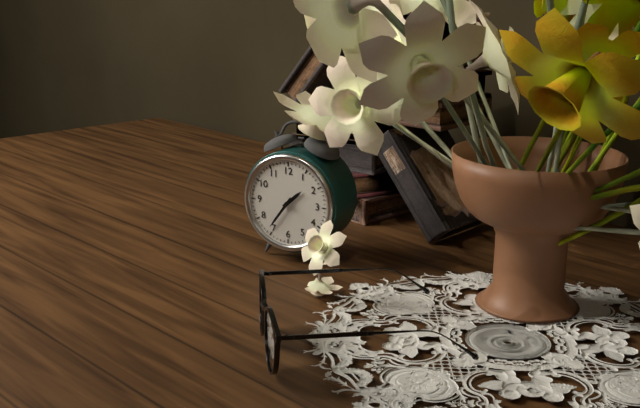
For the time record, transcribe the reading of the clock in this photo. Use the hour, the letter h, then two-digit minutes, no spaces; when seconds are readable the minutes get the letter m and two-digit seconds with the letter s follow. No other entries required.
1h36
